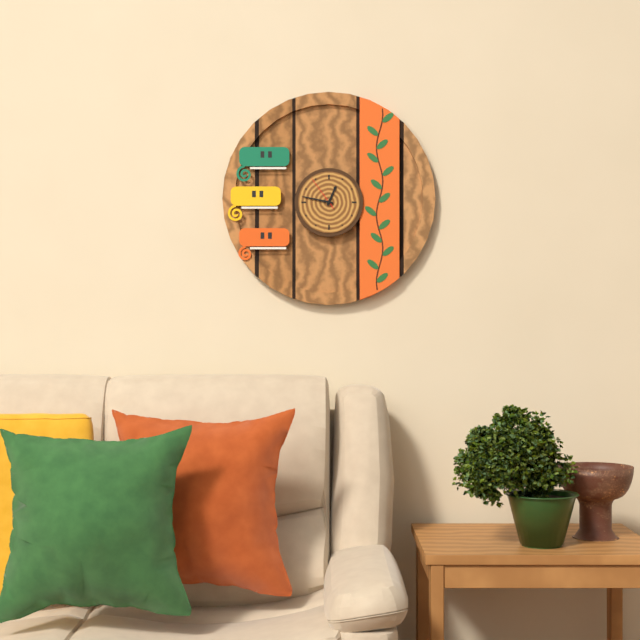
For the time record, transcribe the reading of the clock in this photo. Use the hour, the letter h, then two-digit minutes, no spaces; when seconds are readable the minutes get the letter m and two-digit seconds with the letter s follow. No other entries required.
12h47
